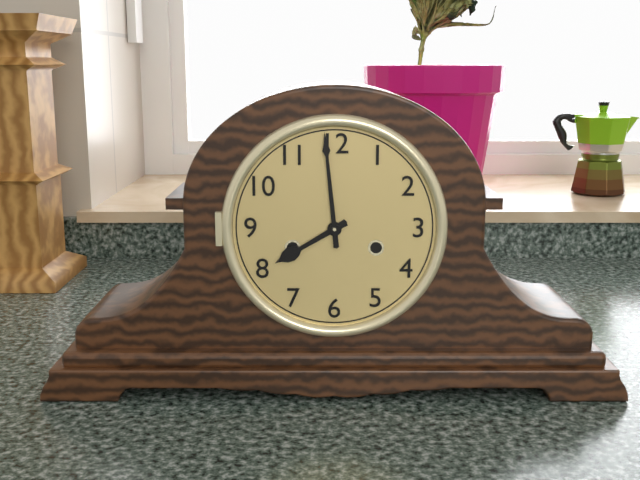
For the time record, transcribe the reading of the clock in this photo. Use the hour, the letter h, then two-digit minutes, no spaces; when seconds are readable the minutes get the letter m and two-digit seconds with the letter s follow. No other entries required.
7h59
